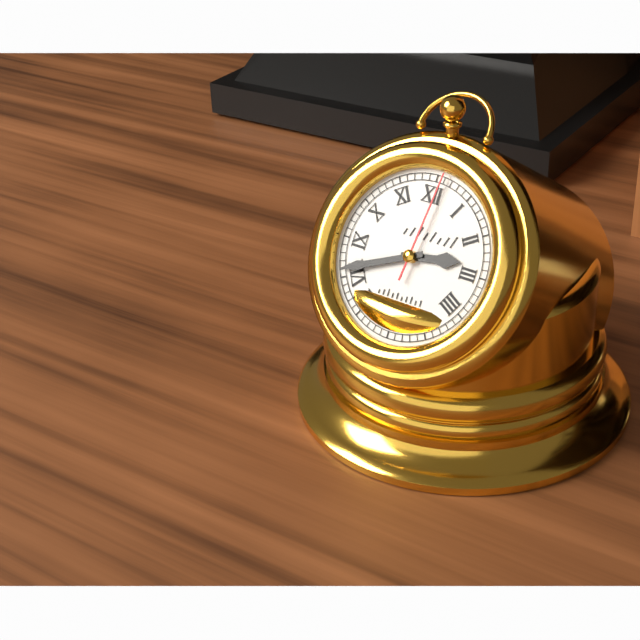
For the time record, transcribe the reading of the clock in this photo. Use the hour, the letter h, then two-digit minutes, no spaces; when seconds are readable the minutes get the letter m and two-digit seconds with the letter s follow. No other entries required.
2h41m01s
